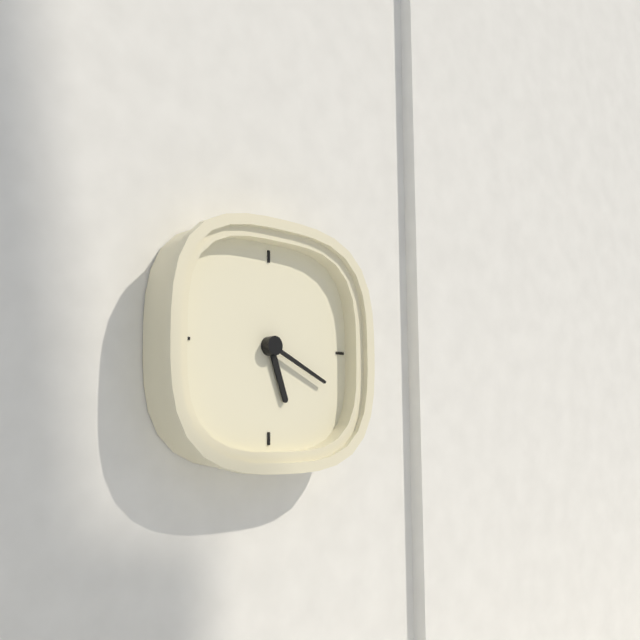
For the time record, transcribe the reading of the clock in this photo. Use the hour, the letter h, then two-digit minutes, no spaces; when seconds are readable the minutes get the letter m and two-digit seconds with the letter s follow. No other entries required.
5h19
